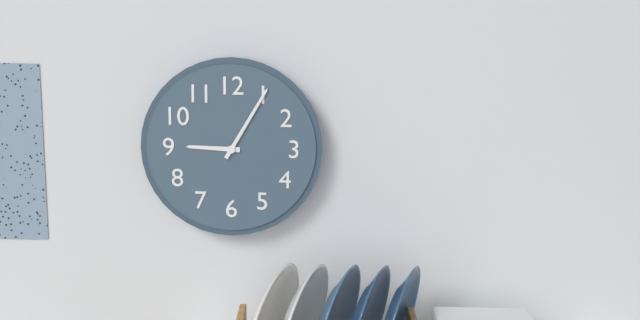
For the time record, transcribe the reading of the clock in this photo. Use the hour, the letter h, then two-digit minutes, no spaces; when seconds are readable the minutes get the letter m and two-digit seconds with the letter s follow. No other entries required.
9h05
